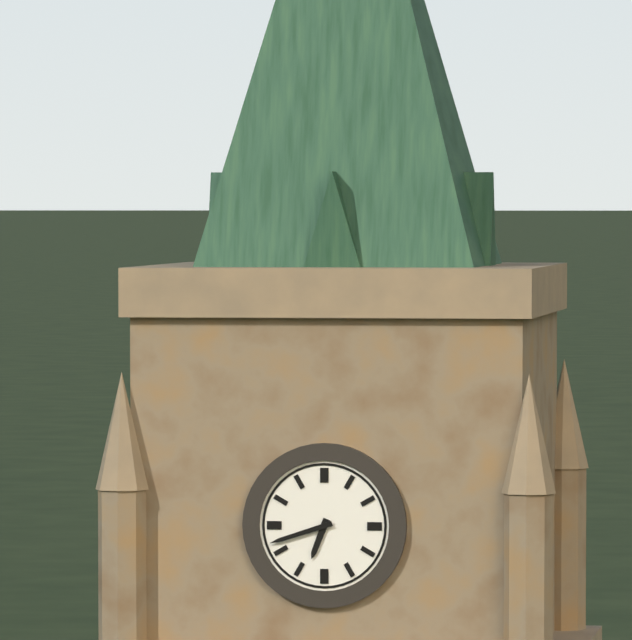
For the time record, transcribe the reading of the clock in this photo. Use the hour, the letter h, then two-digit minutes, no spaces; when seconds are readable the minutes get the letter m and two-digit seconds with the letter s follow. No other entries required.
6h42
